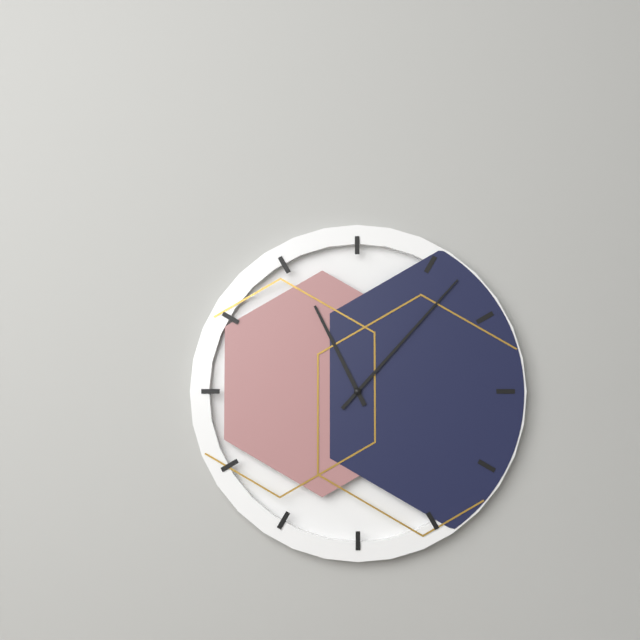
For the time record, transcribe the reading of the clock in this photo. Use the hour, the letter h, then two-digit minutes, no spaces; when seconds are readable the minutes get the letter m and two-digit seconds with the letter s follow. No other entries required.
11h07
